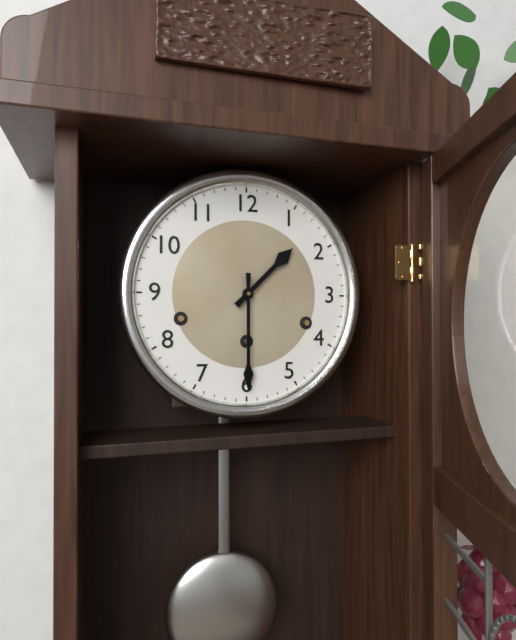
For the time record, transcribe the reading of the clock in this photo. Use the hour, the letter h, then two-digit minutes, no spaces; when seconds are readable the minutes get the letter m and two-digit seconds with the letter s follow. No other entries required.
1h30
